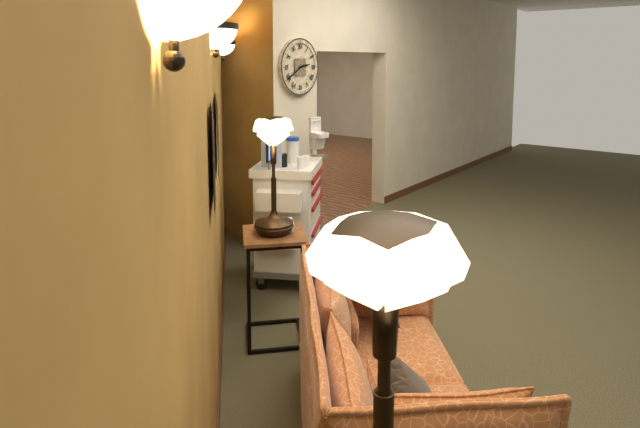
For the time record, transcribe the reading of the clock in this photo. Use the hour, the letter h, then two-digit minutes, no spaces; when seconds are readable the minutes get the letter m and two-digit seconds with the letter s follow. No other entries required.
2h40
